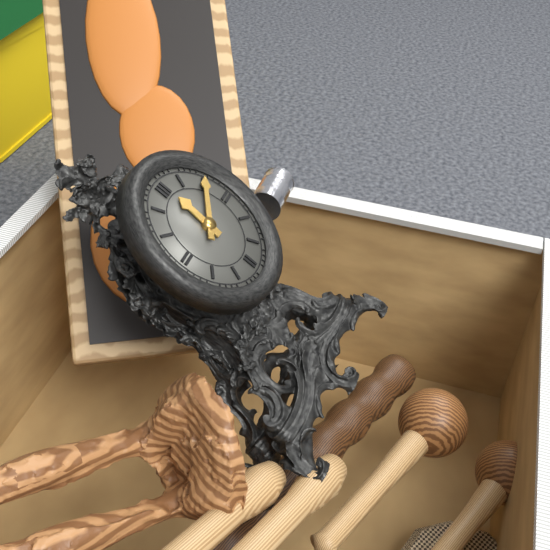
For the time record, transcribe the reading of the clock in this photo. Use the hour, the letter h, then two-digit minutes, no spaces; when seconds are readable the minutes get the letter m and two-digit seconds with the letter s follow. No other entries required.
12h10
